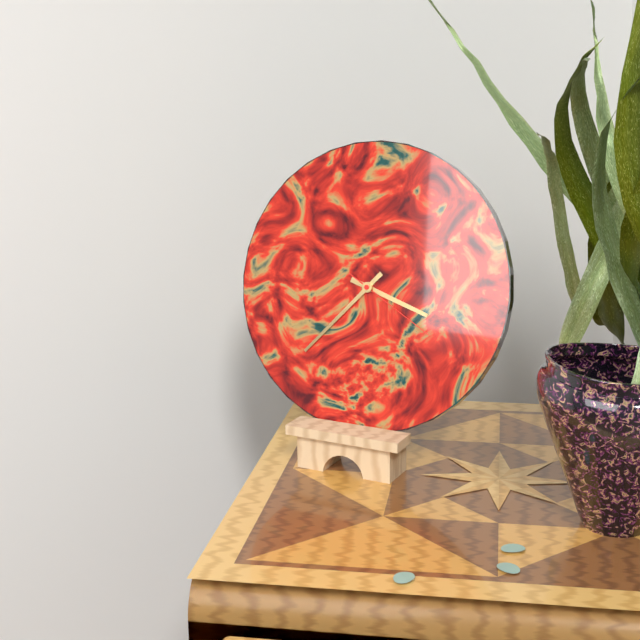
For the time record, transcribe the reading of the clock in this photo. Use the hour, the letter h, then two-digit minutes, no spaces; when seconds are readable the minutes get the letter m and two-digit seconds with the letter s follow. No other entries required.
3h37m20s
